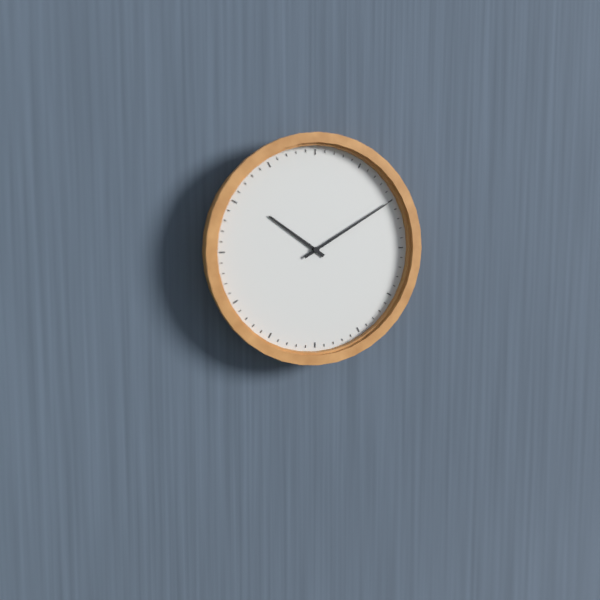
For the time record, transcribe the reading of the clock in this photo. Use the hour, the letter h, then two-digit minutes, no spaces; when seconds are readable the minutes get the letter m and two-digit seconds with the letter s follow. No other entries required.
10h10
